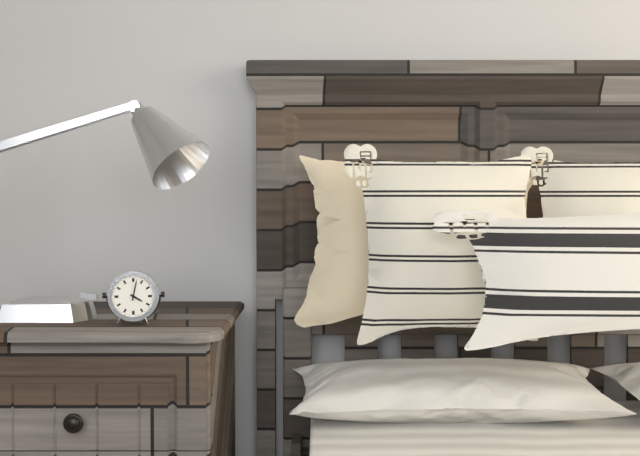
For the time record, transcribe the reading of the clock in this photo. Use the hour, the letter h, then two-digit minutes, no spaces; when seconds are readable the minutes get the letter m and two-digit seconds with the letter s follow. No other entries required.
4h02
